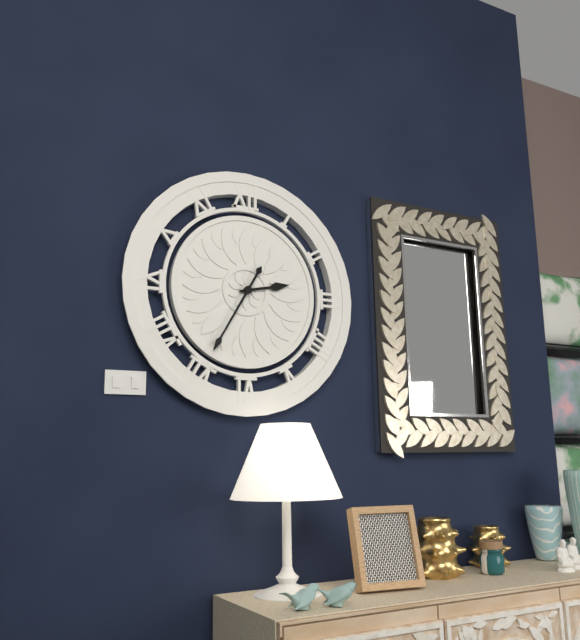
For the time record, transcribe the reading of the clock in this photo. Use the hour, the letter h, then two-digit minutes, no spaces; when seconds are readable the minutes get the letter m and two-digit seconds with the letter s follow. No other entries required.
2h35
